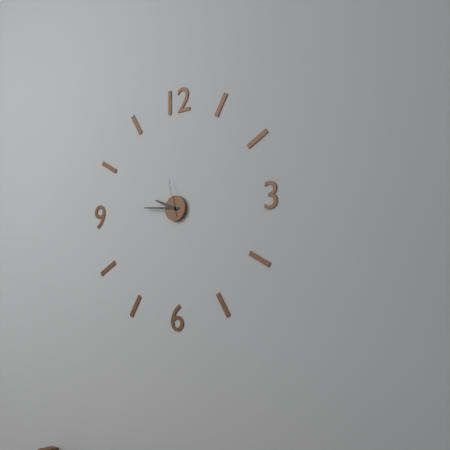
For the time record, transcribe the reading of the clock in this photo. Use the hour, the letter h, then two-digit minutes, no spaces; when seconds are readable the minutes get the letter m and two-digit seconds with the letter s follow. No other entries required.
9h46
